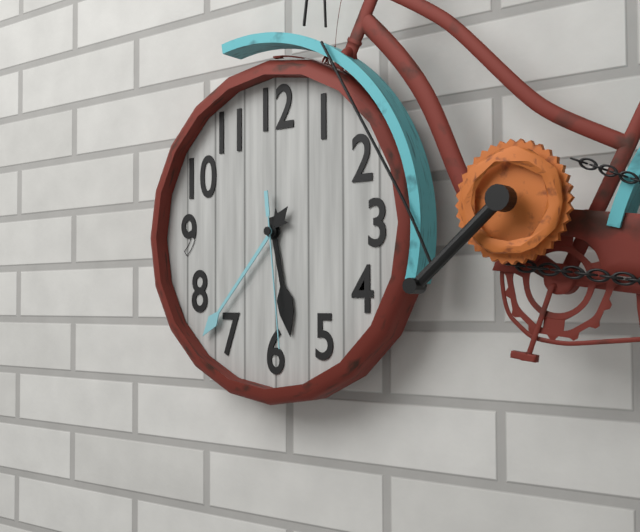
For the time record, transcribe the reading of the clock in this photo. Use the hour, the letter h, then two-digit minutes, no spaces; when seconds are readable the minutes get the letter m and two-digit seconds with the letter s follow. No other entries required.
5h37m29s
